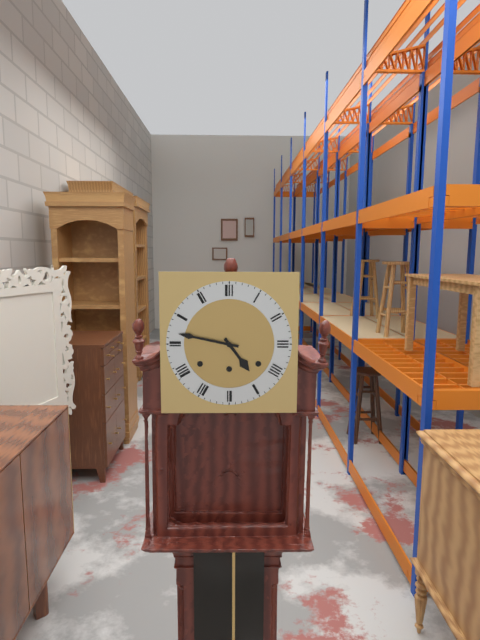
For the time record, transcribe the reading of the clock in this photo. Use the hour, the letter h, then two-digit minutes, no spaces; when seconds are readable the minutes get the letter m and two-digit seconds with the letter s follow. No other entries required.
4h47
